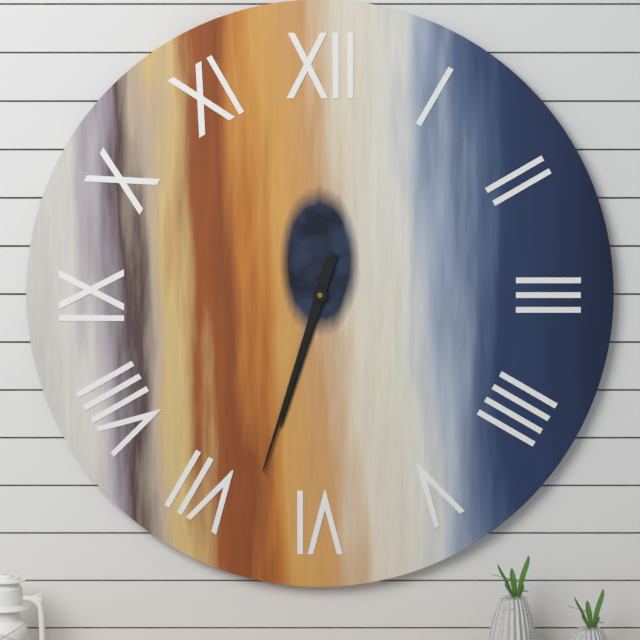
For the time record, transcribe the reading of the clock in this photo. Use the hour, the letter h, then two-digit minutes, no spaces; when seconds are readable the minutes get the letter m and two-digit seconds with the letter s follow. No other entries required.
6h33
